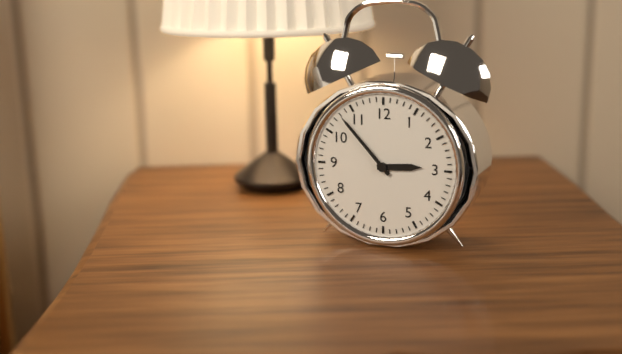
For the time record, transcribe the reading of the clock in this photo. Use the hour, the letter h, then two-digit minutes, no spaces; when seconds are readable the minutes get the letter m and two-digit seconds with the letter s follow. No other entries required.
2h53
